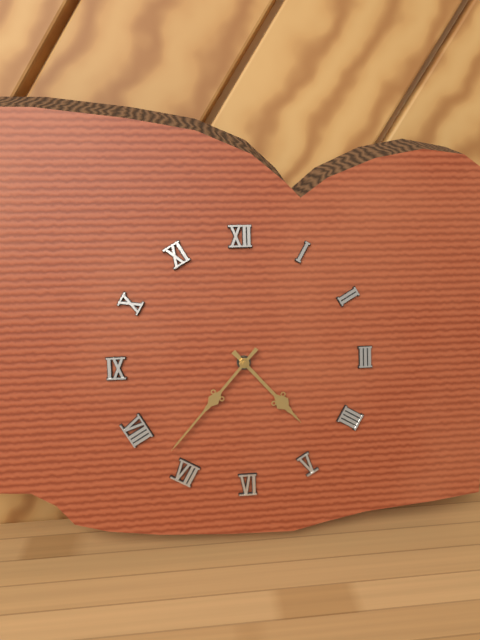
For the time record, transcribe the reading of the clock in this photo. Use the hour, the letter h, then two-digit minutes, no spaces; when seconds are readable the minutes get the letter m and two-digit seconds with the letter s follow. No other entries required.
4h37
